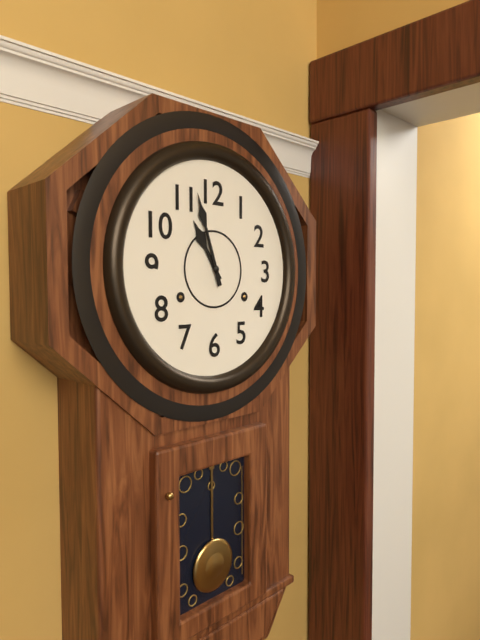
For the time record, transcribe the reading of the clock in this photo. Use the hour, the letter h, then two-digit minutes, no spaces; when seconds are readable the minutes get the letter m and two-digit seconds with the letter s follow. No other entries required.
10h57
